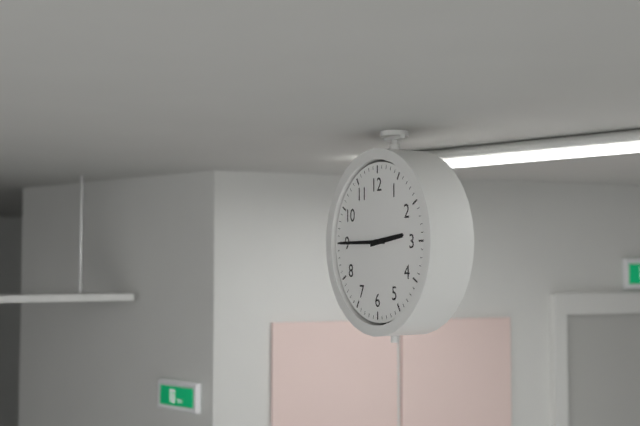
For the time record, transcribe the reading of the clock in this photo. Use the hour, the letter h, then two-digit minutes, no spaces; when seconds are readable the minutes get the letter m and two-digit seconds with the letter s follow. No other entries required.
2h45
